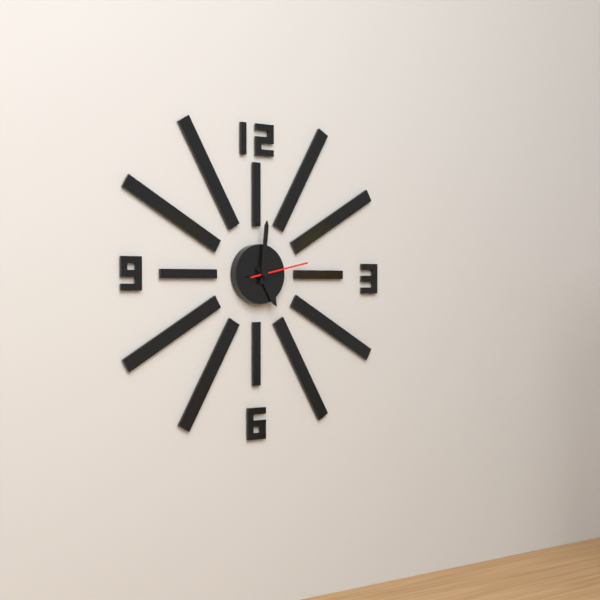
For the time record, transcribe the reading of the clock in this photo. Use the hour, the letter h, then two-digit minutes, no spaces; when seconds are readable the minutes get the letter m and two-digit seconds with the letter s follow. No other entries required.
5h01m13s
